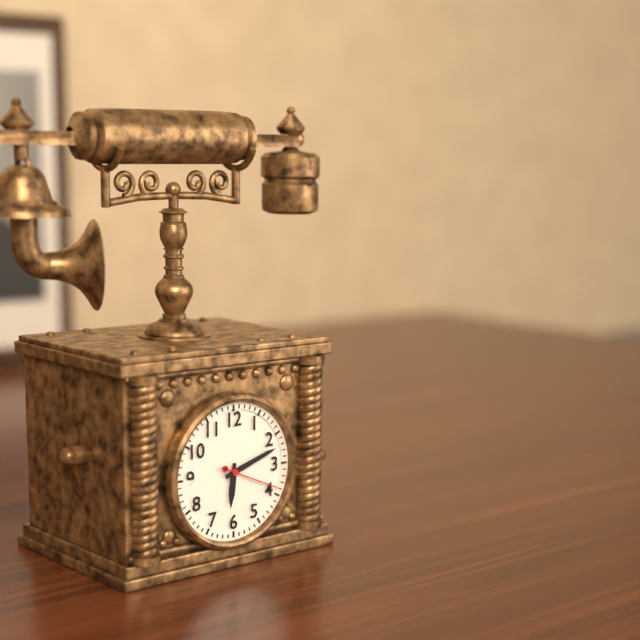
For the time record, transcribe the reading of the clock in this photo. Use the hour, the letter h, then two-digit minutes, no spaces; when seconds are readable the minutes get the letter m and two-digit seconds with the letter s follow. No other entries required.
6h12m19s
